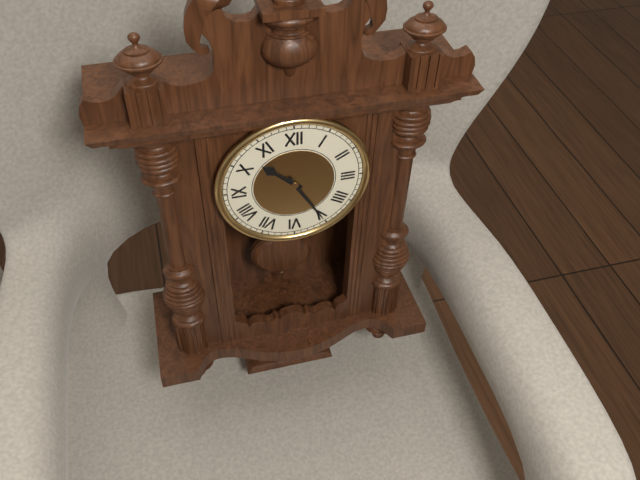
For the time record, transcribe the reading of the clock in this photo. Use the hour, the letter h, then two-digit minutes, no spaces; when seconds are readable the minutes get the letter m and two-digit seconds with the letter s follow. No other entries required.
10h25
